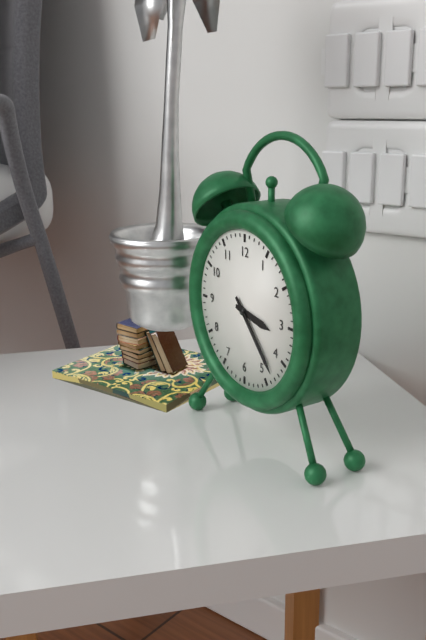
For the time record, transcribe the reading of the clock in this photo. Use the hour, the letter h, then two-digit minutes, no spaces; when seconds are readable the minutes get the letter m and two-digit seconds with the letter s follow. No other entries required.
3h23
